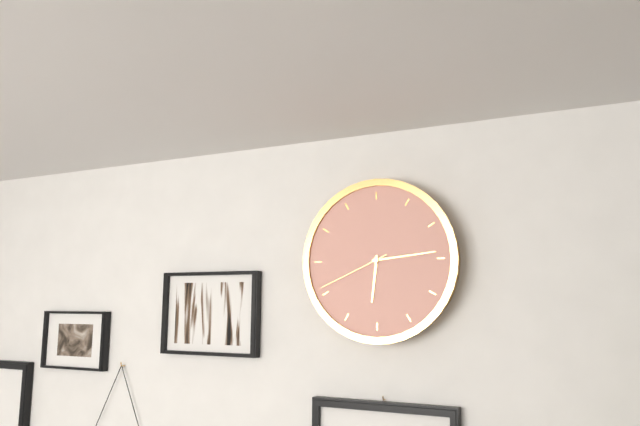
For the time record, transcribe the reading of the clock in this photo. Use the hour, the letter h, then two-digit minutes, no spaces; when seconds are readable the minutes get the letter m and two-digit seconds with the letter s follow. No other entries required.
6h14m41s
